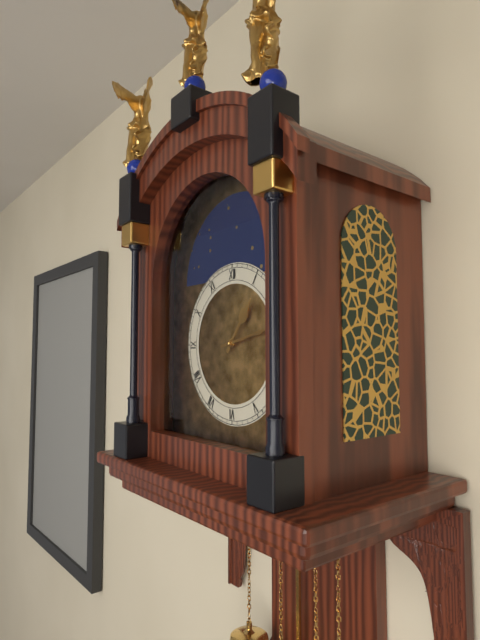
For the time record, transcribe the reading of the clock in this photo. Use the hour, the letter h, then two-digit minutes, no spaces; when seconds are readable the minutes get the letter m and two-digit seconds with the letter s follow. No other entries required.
1h13
